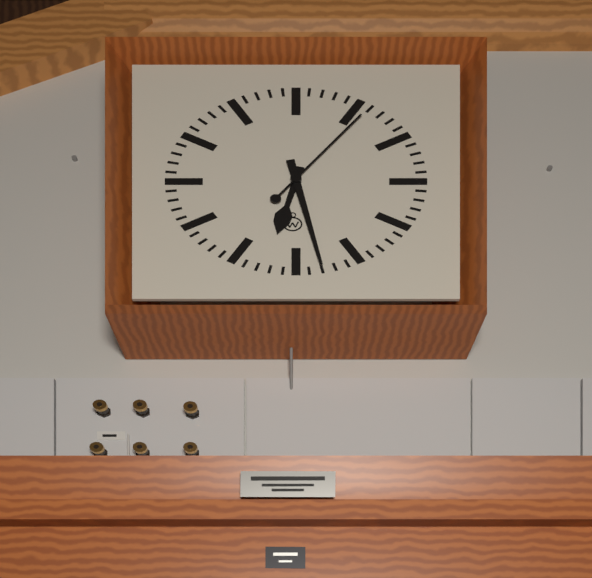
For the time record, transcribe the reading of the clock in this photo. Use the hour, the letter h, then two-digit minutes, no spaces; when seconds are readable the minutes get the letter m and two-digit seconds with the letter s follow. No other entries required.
6h28m06s
